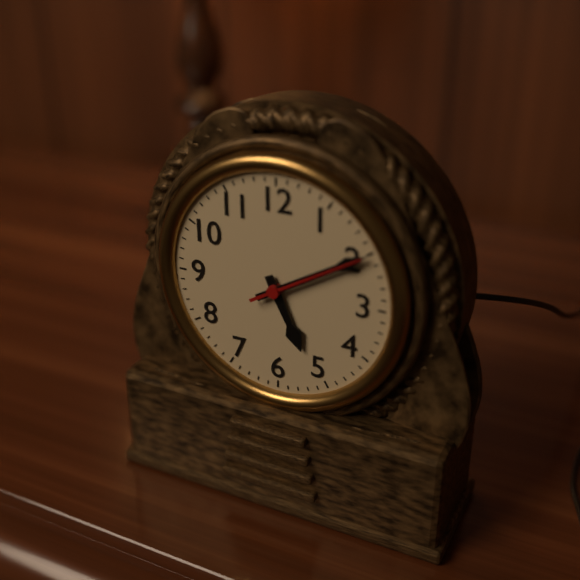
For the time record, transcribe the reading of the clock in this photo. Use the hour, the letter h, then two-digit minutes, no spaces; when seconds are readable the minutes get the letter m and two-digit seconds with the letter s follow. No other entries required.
5h10m10s
